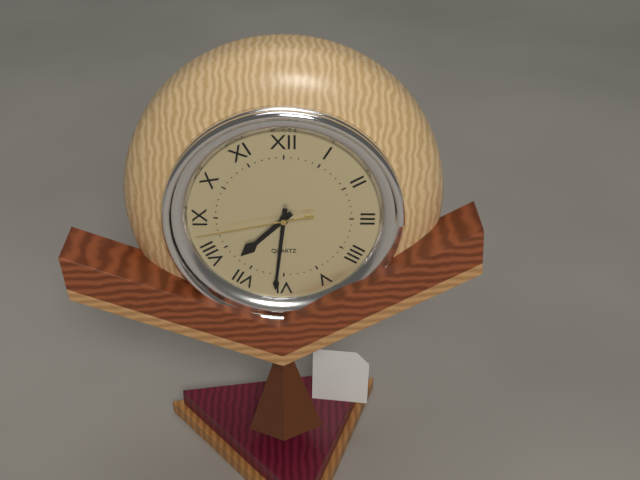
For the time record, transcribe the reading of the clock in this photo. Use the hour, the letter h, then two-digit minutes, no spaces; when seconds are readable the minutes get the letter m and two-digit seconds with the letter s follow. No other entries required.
7h31m43s
